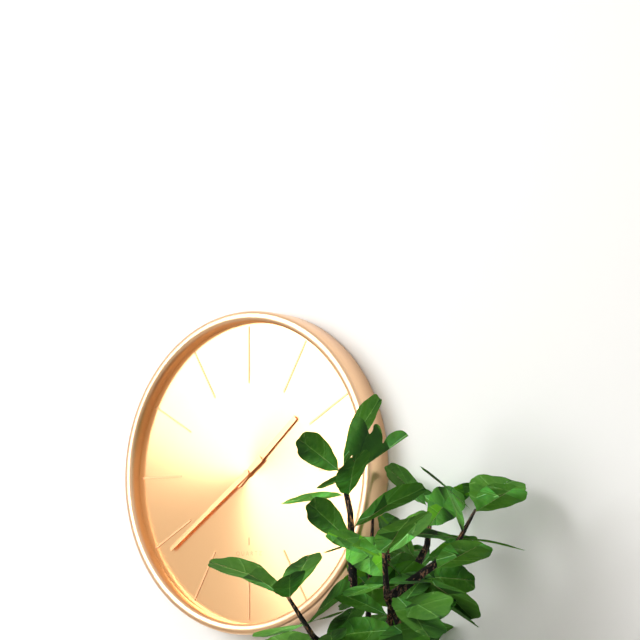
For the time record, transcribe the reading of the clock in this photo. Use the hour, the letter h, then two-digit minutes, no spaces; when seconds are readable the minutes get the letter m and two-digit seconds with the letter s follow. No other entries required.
1h39
